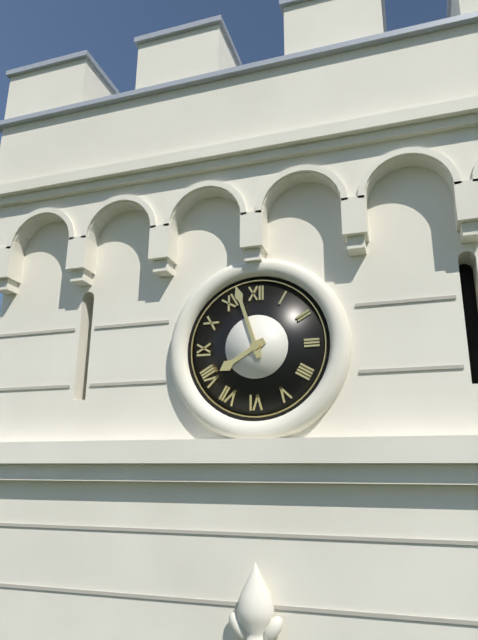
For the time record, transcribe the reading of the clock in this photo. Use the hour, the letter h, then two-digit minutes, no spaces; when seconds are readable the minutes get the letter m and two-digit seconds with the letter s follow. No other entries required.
7h57
